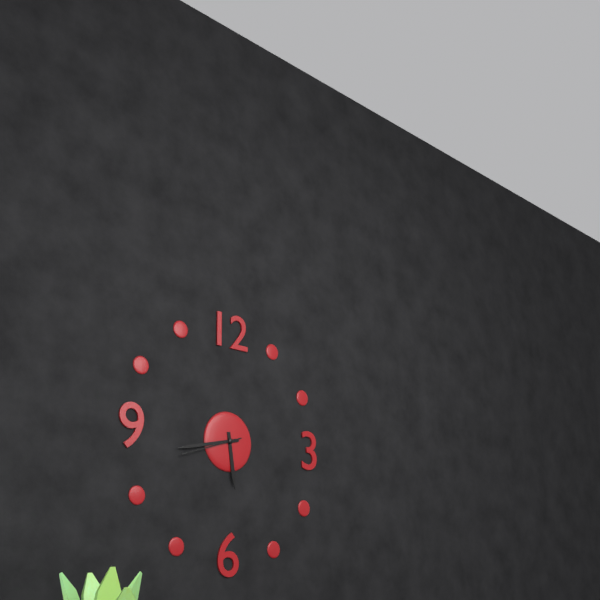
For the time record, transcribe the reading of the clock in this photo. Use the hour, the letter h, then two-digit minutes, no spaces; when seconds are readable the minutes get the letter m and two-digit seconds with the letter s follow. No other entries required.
5h43m42s
